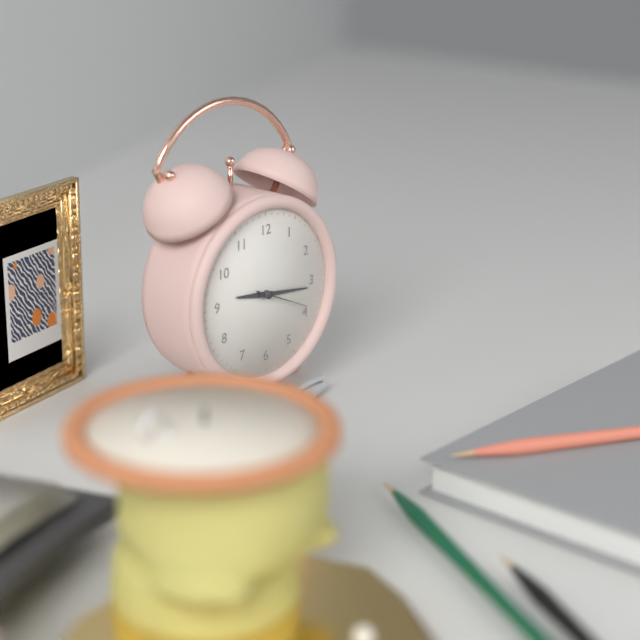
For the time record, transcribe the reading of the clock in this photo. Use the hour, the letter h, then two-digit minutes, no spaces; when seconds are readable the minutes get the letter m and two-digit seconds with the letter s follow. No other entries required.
9h16m19s
